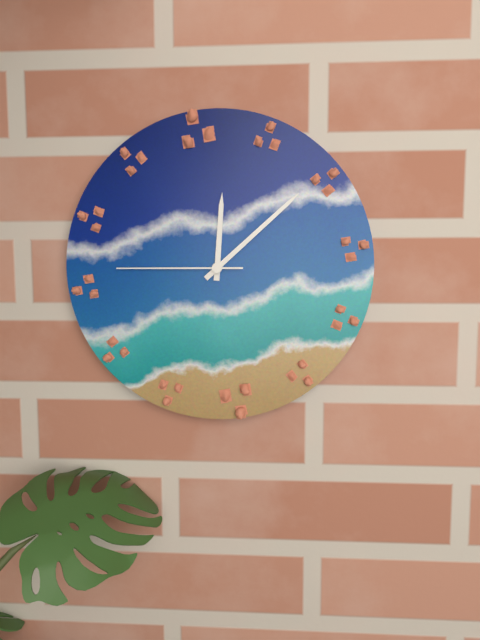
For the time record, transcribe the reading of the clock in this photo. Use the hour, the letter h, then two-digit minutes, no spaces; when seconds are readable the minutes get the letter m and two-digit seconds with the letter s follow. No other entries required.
12h08m45s
